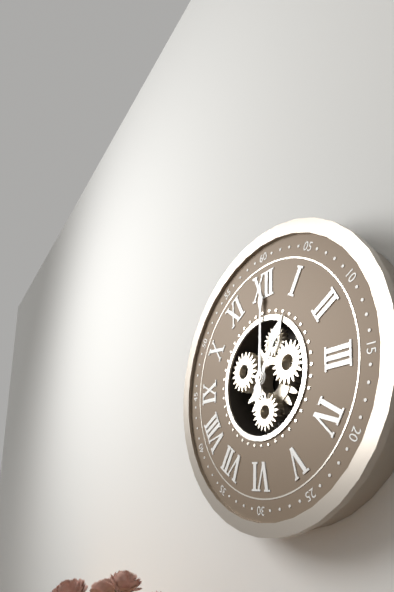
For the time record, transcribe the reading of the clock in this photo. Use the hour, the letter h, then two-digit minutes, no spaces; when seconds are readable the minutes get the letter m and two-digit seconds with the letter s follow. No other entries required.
1h00
